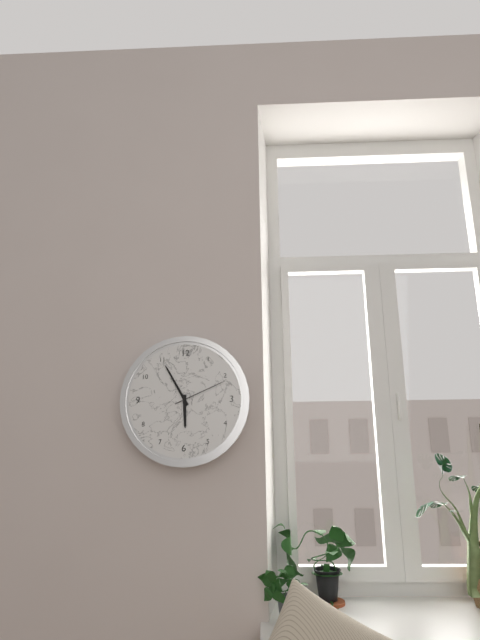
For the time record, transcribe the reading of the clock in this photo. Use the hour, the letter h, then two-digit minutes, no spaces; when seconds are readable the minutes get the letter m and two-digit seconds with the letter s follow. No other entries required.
5h55m11s
